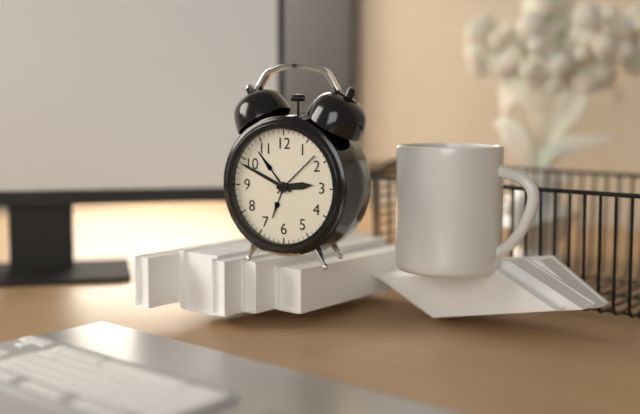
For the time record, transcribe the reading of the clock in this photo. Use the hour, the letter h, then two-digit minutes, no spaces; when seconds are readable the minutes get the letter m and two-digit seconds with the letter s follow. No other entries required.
2h49
